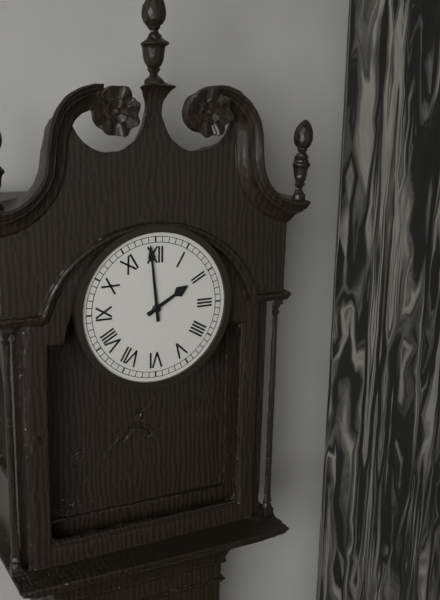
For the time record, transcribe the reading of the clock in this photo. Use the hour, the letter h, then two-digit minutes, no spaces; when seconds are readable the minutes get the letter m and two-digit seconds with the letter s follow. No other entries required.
1h59
